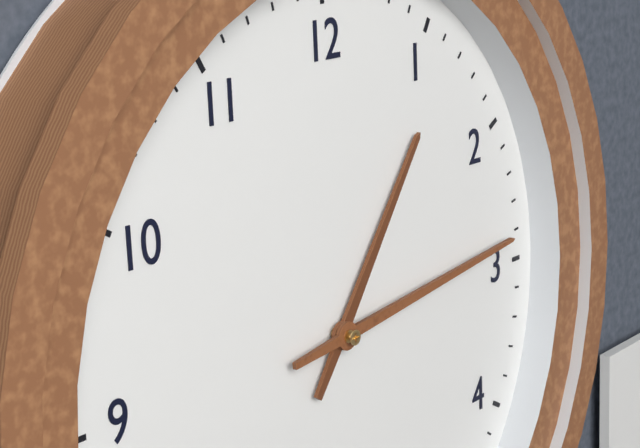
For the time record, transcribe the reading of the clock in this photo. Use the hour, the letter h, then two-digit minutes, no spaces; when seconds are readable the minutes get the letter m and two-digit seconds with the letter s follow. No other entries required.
1h14
